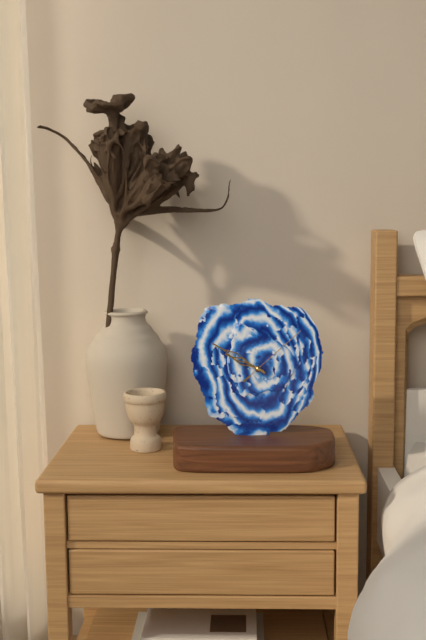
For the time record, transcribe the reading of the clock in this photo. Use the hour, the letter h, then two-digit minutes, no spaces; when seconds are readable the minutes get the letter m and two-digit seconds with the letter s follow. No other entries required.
9h50m08s
